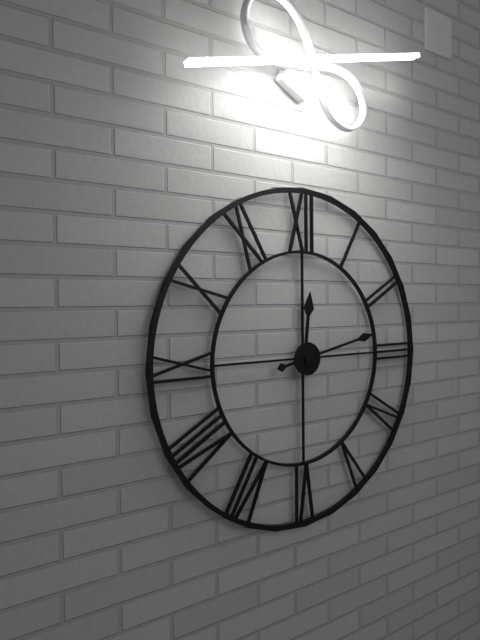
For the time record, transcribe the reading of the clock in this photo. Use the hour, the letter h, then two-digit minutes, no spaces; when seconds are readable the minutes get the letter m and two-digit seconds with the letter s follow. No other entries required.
12h13
